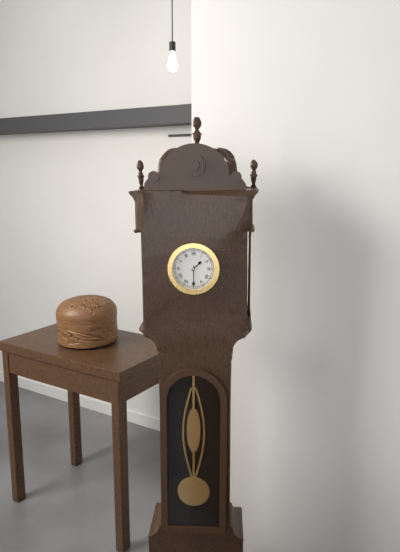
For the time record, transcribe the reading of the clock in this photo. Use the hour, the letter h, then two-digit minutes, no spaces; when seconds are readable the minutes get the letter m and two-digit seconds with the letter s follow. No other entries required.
1h30
